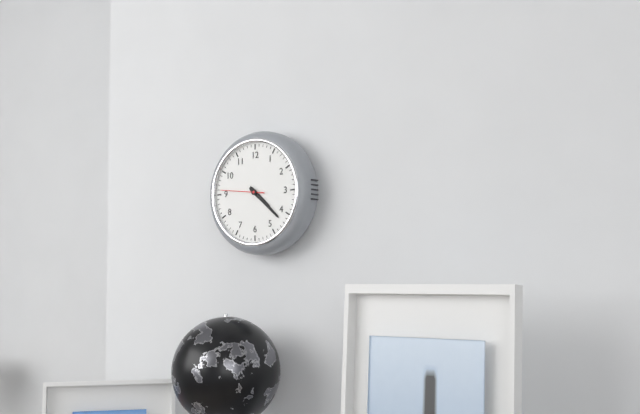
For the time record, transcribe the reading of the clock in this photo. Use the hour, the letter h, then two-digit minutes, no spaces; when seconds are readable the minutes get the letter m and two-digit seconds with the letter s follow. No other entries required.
4h22m46s
